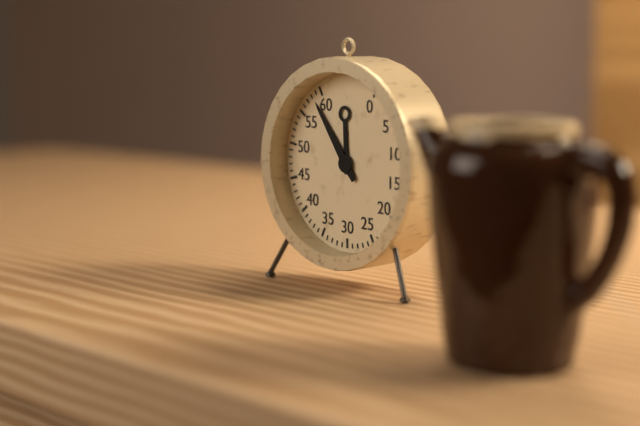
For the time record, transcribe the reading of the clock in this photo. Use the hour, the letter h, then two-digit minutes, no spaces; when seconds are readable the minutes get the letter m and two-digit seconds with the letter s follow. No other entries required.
11h54
